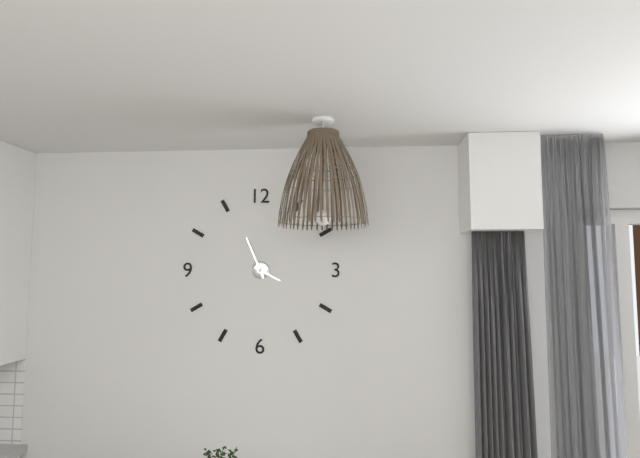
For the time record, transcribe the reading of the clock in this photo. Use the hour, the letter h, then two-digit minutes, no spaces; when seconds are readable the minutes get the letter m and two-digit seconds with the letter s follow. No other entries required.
3h56
